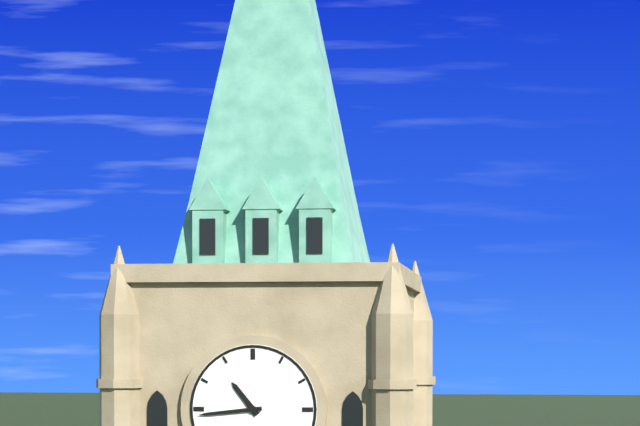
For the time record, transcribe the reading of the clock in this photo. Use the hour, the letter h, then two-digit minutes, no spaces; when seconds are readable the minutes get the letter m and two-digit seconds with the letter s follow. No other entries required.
10h44
